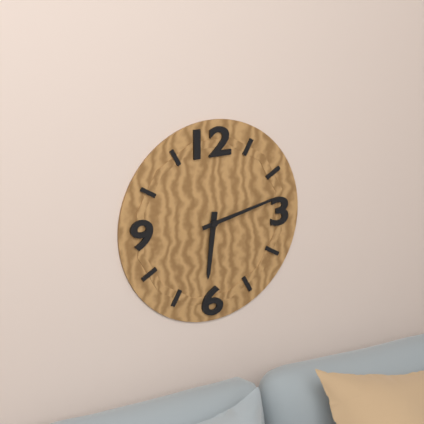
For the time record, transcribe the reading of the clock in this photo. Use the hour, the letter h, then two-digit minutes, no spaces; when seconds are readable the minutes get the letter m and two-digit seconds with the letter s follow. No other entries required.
6h13
